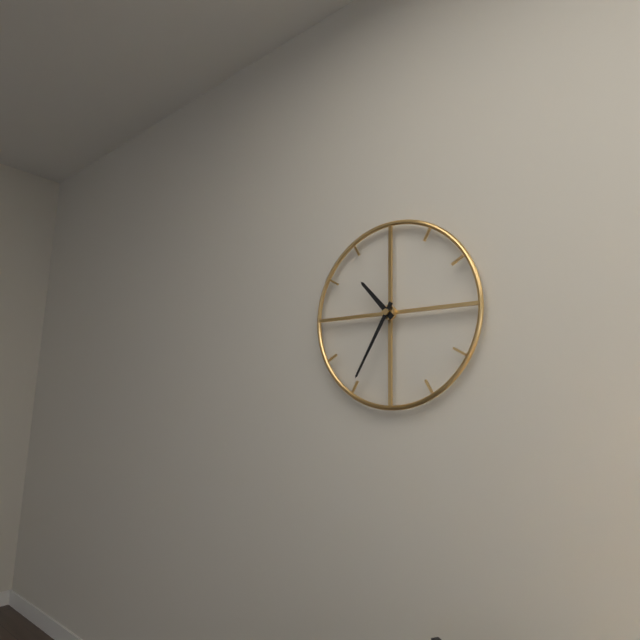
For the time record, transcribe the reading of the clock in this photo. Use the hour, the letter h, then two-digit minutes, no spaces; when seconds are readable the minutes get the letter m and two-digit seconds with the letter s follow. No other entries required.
10h35
